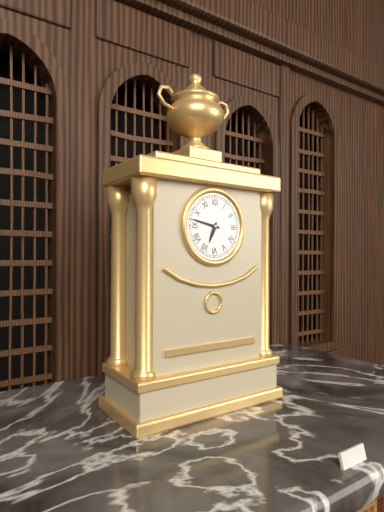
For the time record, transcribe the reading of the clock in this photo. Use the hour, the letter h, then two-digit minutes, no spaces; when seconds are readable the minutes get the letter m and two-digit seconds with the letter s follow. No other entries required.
6h47
